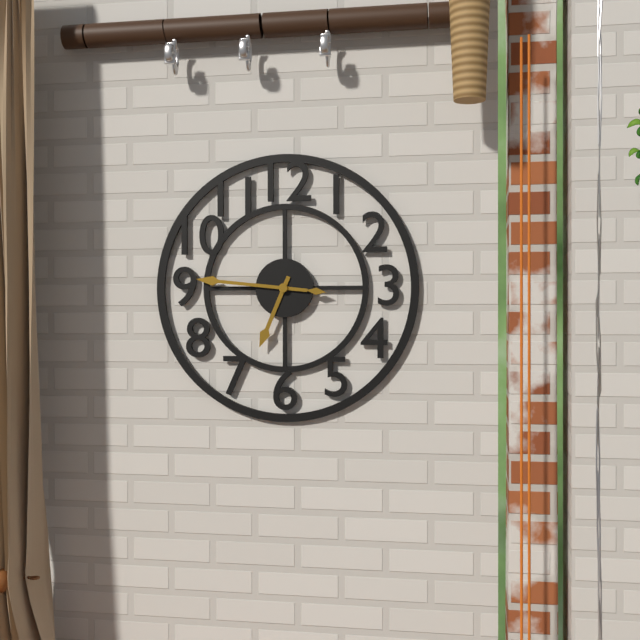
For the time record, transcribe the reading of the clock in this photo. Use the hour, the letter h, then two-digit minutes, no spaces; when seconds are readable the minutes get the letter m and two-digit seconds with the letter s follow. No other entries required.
6h46
